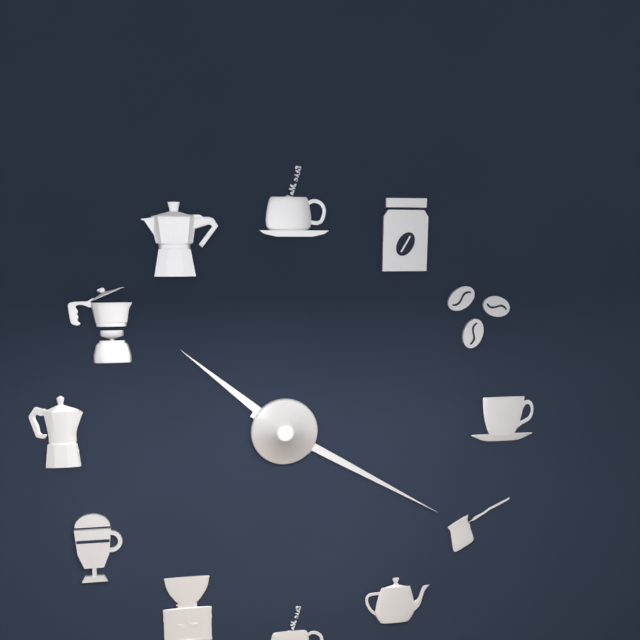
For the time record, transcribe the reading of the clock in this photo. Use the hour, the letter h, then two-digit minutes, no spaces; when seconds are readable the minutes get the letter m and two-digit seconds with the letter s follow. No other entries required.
10h20
